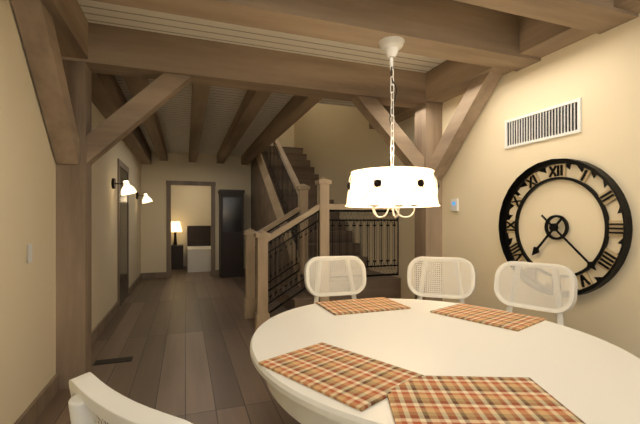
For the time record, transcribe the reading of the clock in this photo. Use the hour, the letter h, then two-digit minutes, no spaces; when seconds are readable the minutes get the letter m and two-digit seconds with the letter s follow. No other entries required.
7h22
